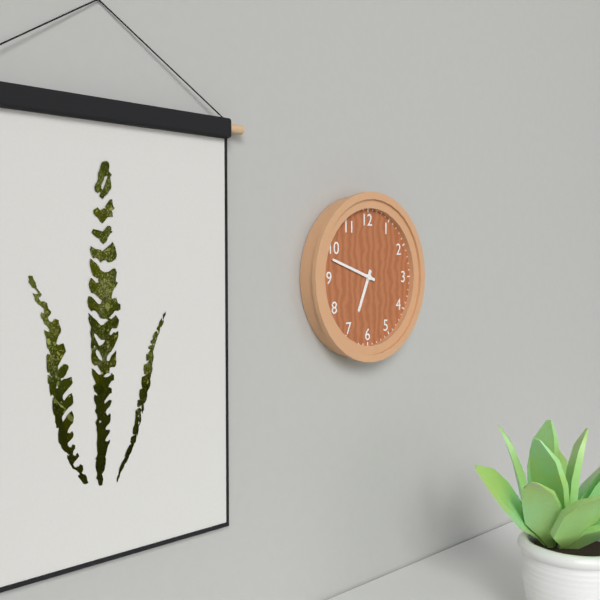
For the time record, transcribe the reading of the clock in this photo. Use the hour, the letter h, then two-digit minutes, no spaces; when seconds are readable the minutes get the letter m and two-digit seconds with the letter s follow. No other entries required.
6h48
